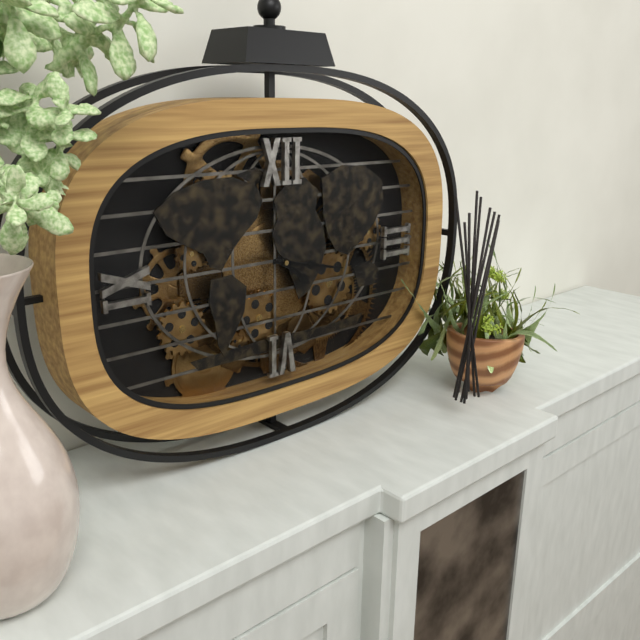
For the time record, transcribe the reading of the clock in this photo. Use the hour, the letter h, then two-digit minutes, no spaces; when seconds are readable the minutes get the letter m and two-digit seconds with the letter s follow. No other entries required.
4h17
